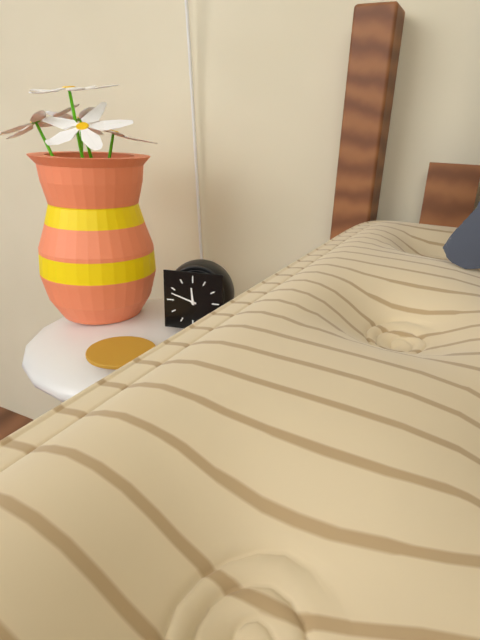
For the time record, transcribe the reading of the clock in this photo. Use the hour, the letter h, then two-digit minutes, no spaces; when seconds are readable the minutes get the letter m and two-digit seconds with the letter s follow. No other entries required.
11h48
